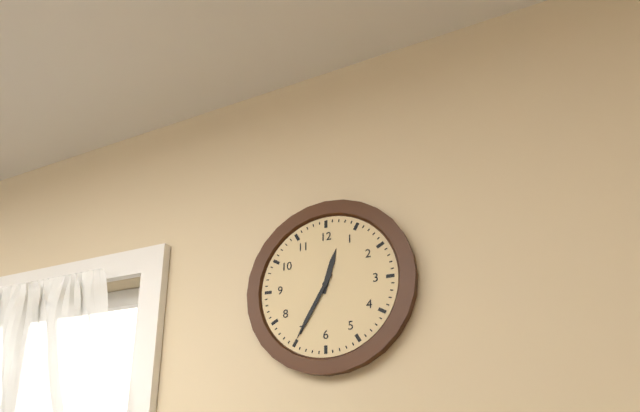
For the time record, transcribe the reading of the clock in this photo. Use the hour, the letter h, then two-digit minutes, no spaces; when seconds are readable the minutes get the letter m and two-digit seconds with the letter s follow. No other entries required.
12h35
